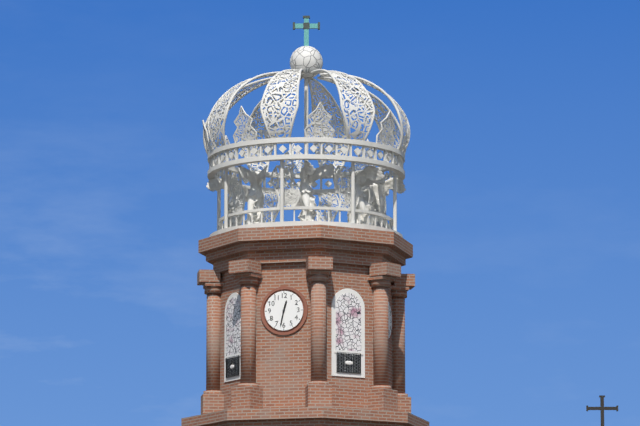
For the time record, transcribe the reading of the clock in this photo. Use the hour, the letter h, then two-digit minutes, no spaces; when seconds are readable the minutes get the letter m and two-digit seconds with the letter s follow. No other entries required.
12h32
